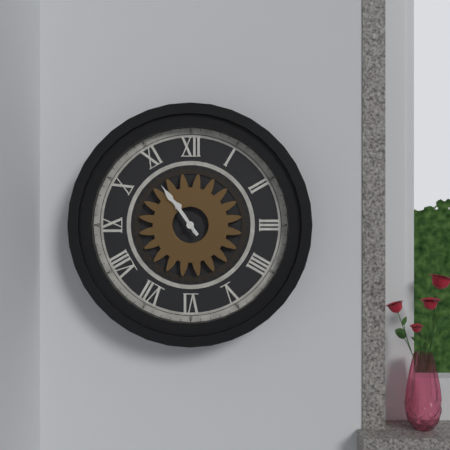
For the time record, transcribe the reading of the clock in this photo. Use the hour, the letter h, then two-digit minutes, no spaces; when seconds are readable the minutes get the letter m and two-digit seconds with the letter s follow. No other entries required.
10h54
